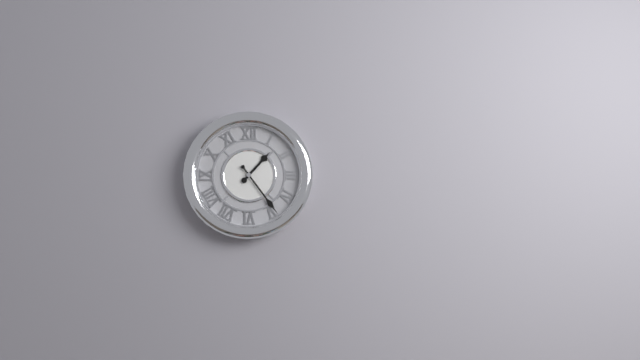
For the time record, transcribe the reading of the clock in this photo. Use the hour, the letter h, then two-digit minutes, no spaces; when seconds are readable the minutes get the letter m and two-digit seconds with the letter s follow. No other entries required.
1h24
